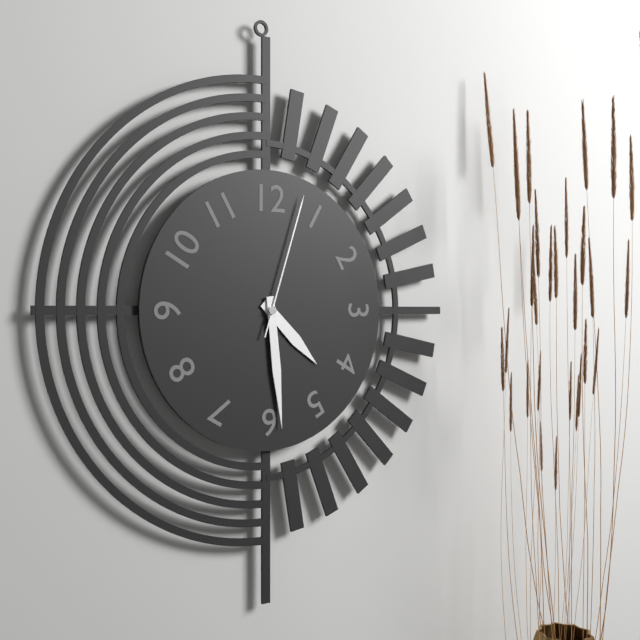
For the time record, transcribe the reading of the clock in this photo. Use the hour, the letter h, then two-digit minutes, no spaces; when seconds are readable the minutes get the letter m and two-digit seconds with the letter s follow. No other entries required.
4h29m03s
